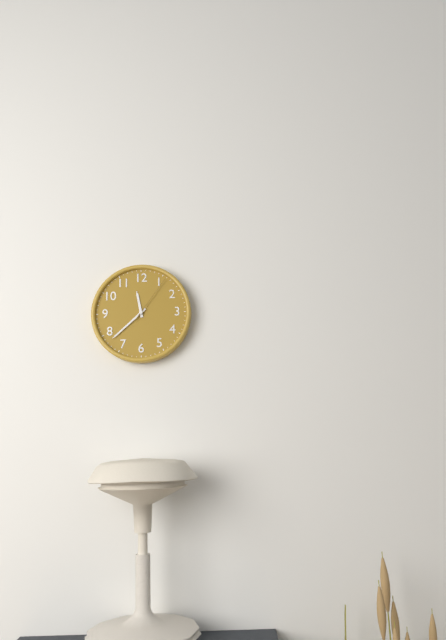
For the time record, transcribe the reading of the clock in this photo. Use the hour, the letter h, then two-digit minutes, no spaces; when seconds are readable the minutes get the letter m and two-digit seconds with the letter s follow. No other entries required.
11h38m06s
